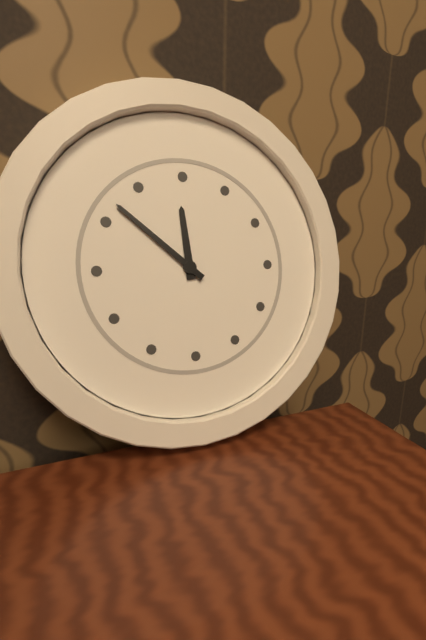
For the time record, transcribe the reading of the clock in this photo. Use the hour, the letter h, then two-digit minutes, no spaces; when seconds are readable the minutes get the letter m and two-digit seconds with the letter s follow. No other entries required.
11h52
